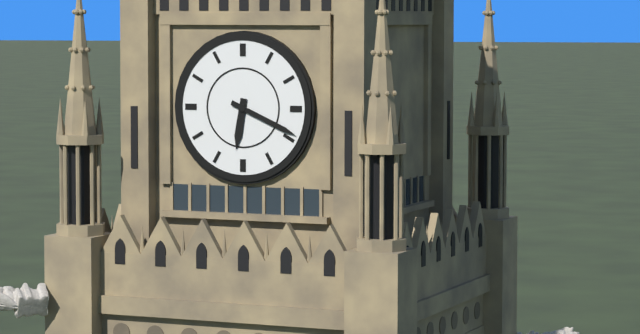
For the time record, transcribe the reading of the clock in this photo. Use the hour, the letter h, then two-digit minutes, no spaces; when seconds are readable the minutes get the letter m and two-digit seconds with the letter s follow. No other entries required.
6h19
